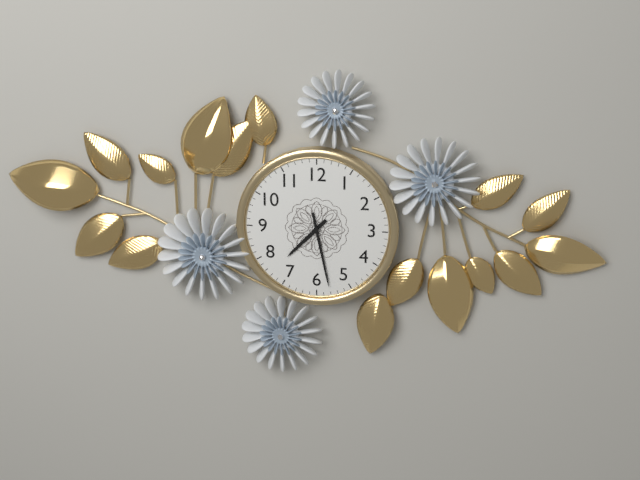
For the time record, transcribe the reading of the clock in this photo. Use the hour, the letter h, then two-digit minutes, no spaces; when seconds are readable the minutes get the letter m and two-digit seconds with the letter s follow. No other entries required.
7h28
